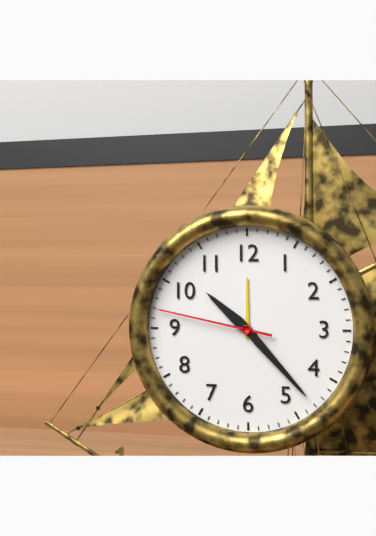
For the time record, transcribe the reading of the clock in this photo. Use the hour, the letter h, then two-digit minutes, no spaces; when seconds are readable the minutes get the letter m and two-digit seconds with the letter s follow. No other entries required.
10h23m47s
